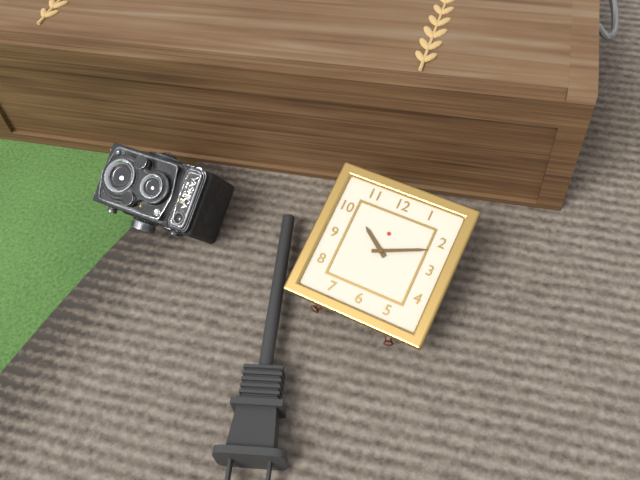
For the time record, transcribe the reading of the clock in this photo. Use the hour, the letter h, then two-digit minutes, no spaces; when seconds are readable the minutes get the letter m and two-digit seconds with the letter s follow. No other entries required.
10h11
